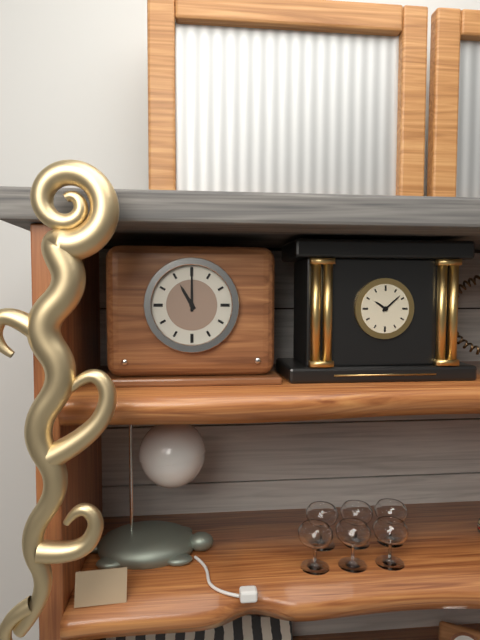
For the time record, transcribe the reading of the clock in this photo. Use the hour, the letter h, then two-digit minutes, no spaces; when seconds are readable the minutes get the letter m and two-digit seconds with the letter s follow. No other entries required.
11h00
